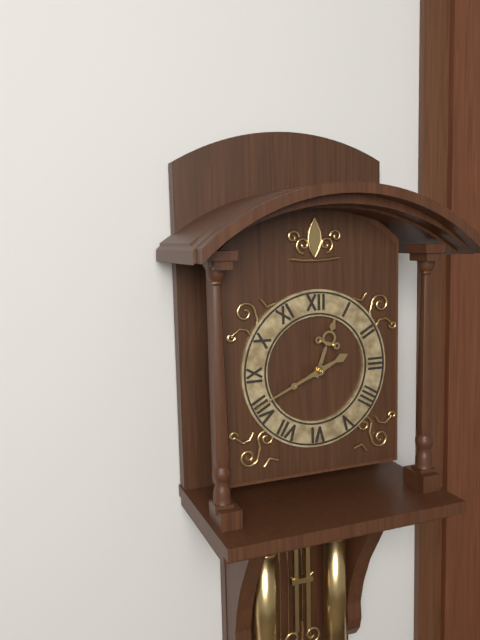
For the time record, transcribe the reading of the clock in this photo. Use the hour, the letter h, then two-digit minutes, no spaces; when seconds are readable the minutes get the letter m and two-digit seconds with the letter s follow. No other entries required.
12h41
